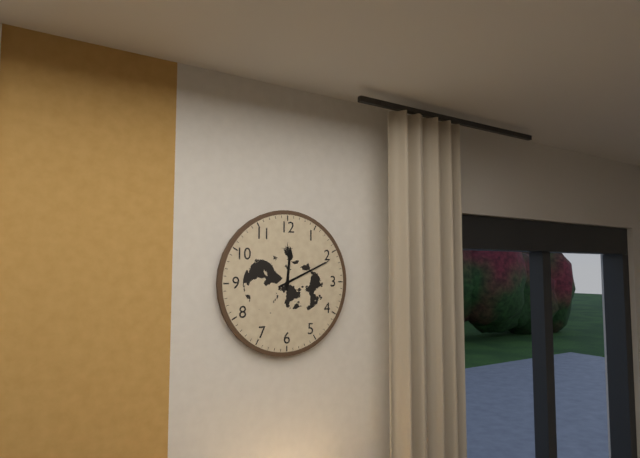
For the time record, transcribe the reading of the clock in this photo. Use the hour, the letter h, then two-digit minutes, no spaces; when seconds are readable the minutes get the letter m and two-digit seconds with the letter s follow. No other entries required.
12h11
